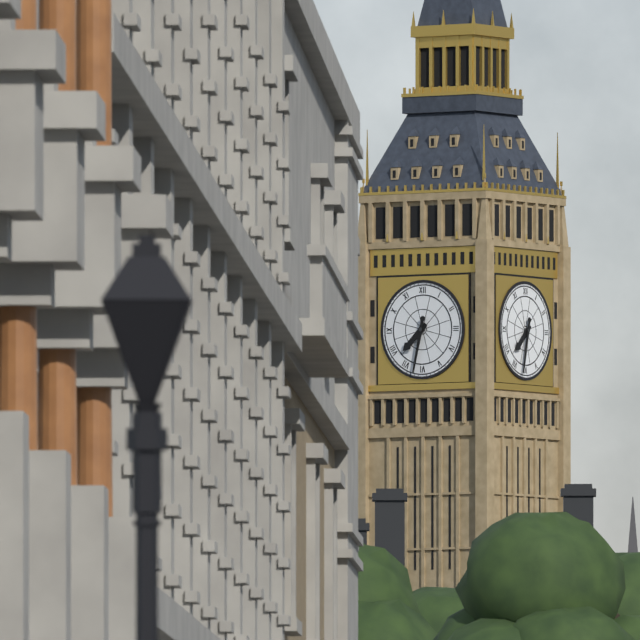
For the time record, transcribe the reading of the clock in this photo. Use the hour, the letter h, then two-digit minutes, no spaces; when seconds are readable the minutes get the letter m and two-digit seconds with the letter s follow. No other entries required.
7h32
